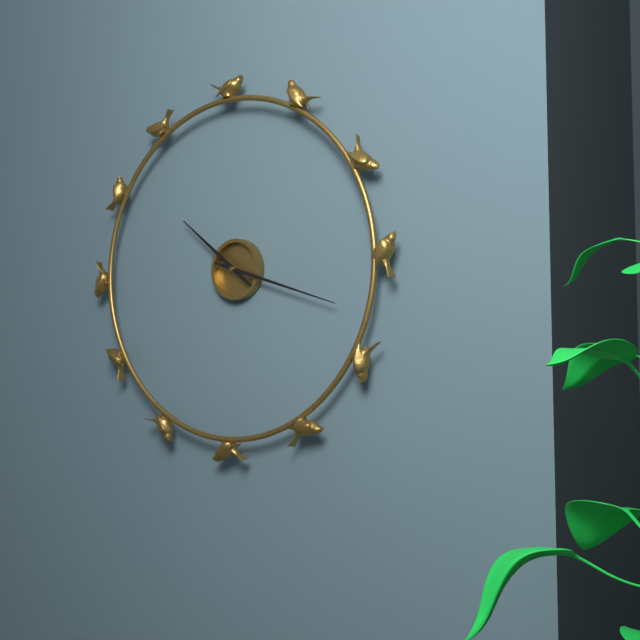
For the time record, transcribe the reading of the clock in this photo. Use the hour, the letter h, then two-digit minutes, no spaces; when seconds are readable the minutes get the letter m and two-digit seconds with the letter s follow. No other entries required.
10h18
